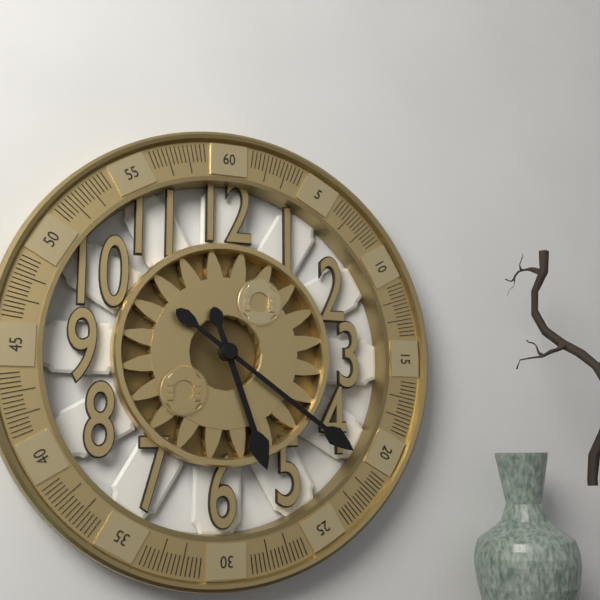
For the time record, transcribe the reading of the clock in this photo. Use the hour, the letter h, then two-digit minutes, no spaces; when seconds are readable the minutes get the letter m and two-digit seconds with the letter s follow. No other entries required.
5h21
